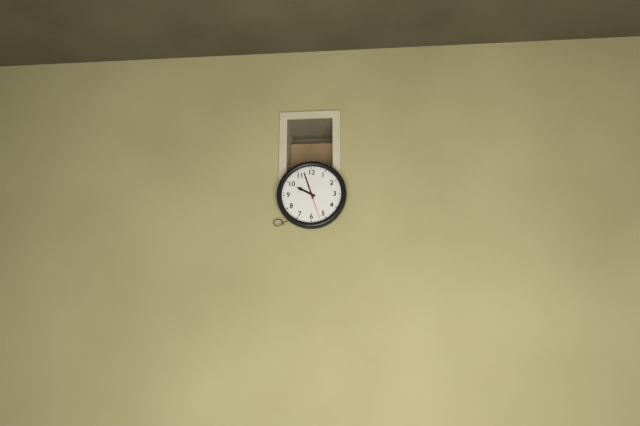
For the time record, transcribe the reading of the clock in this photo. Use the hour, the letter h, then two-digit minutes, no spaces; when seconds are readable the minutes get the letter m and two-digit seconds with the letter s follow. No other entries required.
9h57
